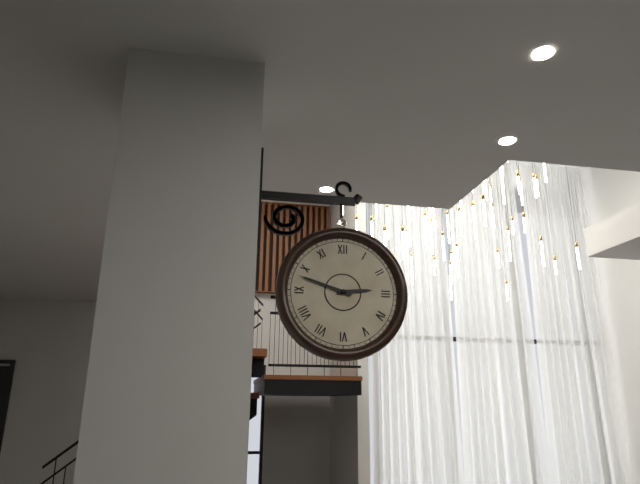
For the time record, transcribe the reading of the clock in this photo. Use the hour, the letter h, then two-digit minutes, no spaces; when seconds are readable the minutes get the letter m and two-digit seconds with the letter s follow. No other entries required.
2h48
